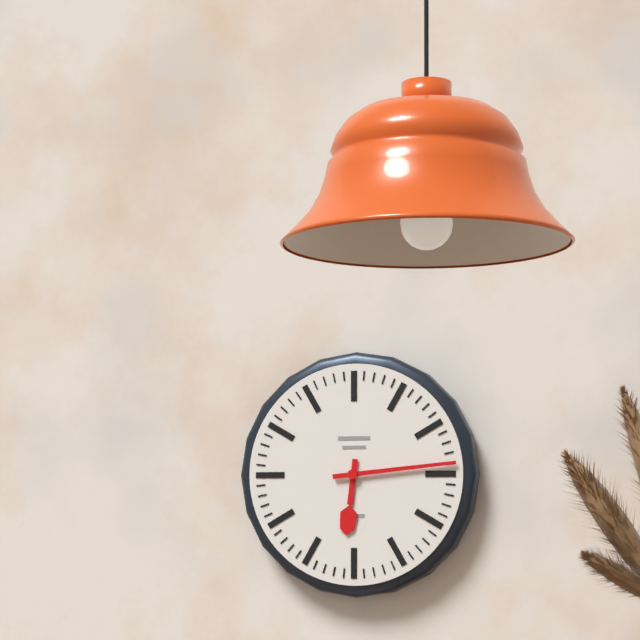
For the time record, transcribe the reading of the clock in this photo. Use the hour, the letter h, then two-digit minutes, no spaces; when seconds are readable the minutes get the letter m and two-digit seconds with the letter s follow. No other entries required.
6h14
